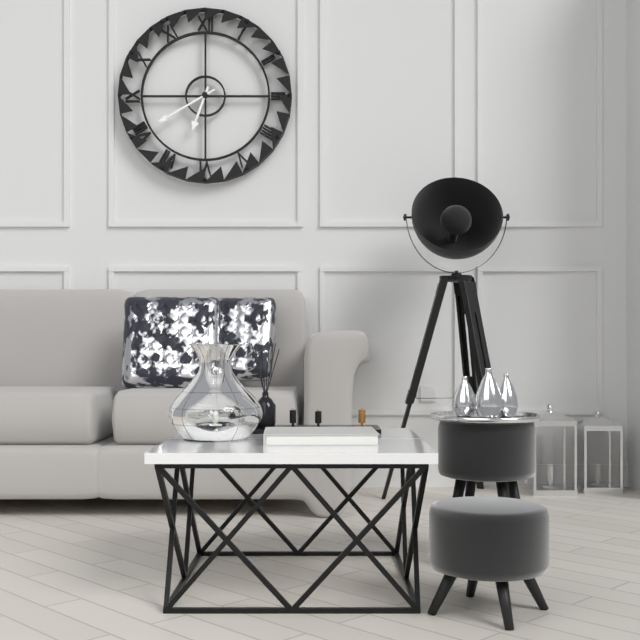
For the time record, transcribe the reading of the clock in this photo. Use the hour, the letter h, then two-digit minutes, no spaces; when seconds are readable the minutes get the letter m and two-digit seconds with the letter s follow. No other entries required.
6h40
